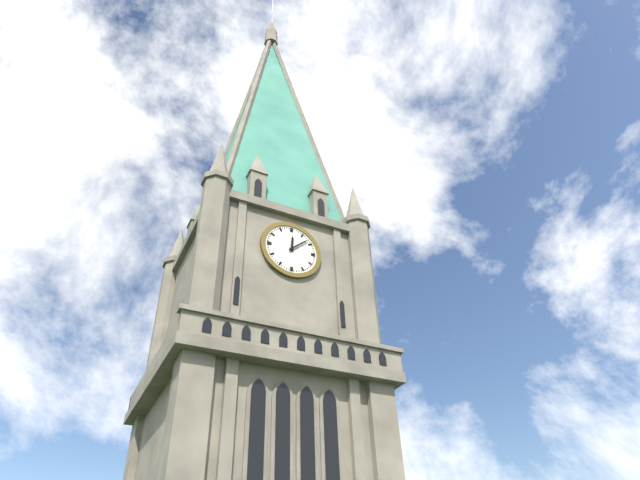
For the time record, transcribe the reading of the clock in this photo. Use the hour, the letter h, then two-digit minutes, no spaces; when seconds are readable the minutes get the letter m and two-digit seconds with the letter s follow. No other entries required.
12h08
